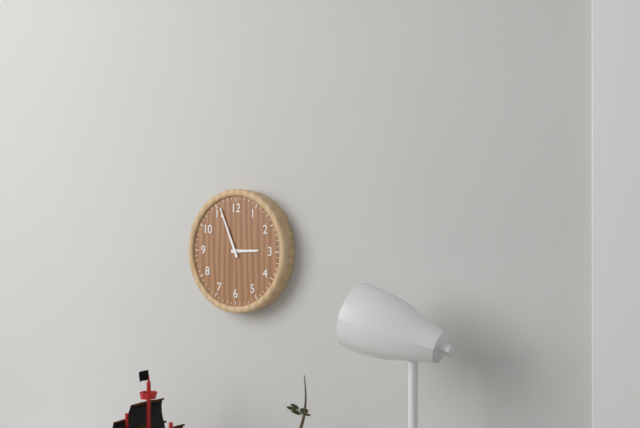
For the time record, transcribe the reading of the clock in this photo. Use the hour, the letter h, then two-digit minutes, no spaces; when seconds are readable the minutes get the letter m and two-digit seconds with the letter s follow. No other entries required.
2h56
